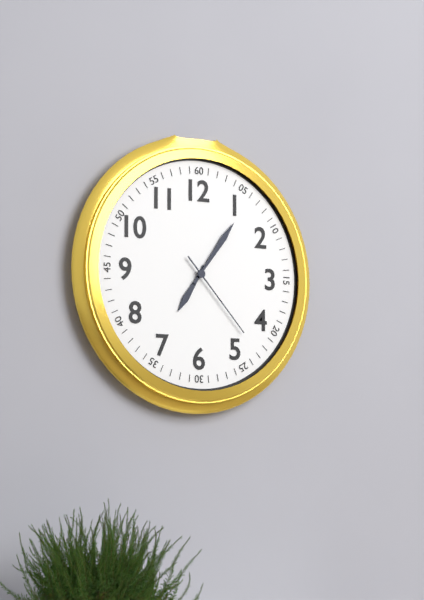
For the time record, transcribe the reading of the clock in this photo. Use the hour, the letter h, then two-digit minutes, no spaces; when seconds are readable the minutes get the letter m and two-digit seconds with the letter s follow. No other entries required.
7h06m23s
